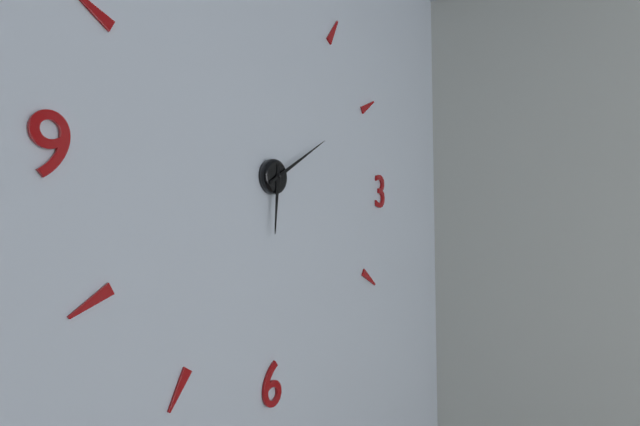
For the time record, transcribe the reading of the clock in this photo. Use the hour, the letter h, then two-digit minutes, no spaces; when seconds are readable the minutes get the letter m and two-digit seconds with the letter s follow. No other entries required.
6h10
